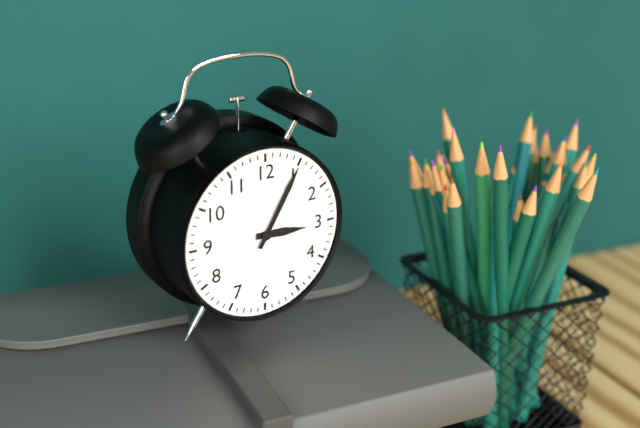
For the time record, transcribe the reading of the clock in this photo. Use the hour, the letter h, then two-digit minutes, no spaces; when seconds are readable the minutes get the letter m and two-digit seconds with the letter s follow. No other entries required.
3h05
